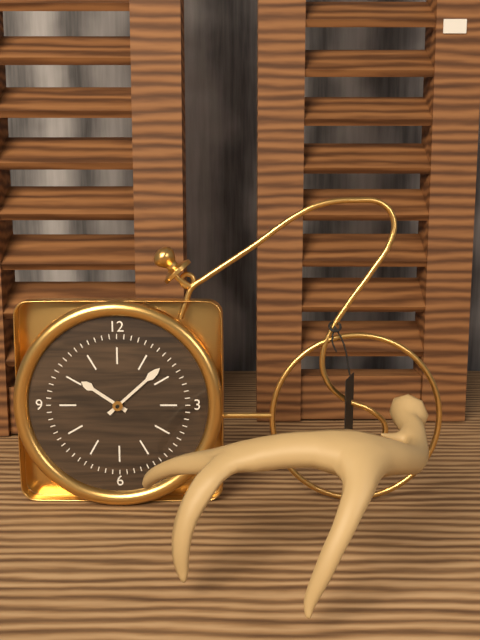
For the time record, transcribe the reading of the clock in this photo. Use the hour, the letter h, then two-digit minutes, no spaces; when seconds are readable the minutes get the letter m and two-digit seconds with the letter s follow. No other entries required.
10h08
